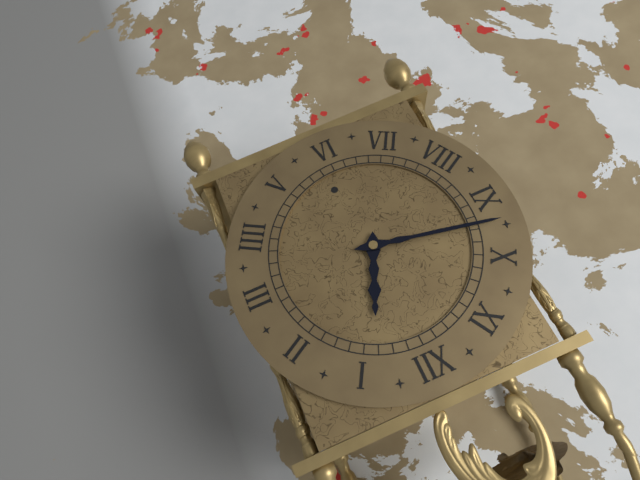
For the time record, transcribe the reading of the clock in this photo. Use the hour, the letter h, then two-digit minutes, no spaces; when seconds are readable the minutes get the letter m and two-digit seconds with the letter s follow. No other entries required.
12h47
